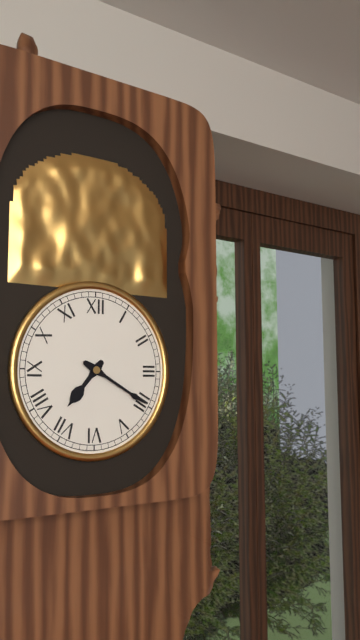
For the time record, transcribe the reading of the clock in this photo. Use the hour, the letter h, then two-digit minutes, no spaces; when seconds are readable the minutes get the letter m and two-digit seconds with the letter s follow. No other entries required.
7h20
